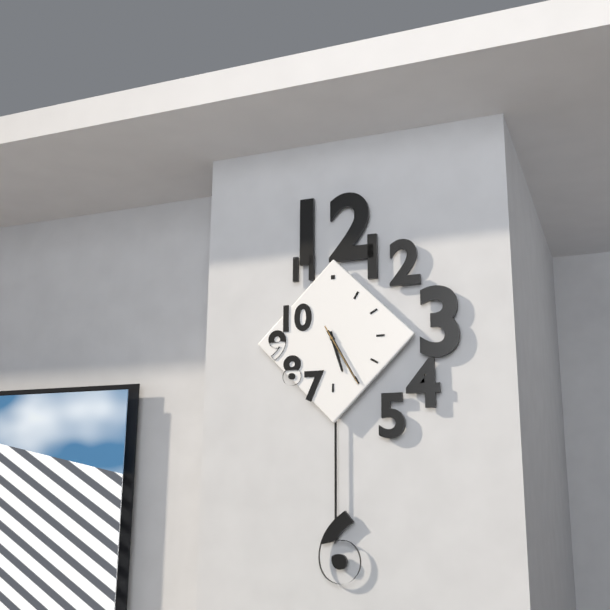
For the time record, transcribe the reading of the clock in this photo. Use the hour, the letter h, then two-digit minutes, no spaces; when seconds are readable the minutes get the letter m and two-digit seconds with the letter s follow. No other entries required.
5h25m25s
